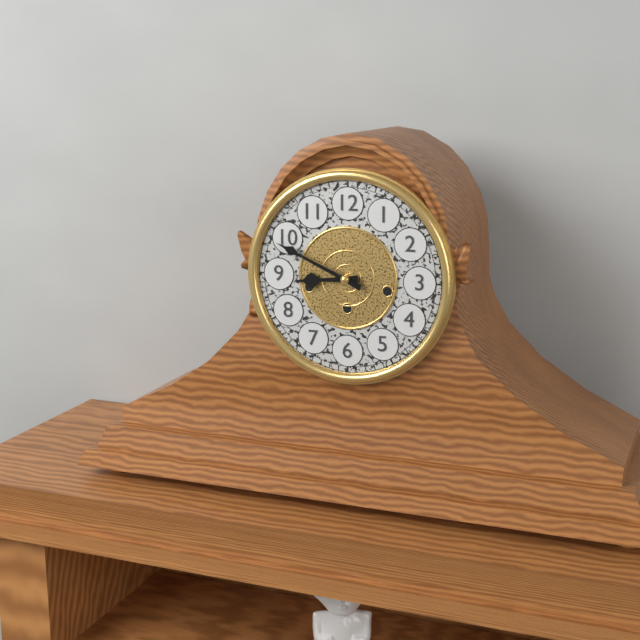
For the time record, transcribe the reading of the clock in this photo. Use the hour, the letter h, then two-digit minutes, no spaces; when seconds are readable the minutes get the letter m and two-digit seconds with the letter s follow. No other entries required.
8h49
